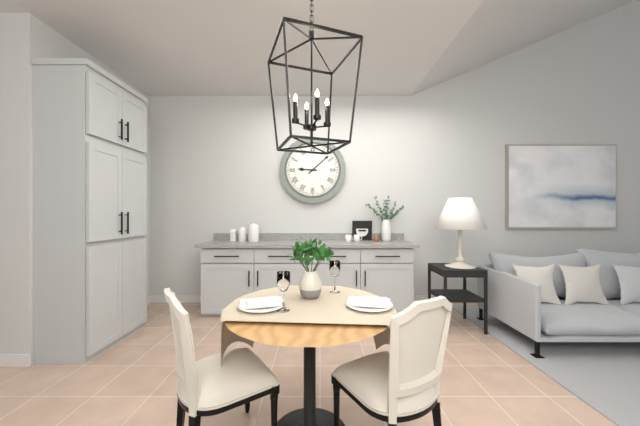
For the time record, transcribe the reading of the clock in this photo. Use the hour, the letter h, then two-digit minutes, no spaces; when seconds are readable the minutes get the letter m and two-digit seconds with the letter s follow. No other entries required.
9h08
